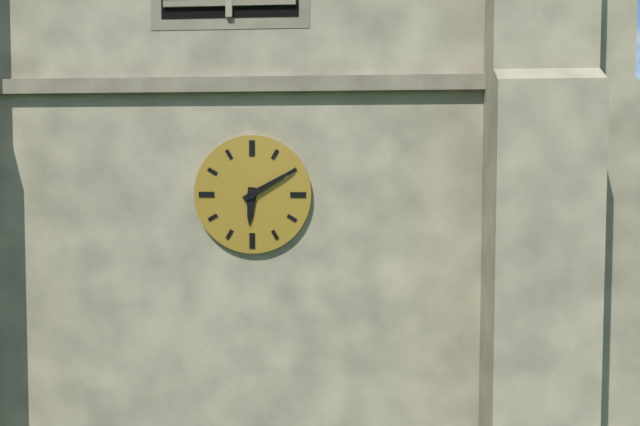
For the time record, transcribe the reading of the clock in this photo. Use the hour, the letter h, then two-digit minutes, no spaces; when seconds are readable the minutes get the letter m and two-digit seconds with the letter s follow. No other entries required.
6h10
